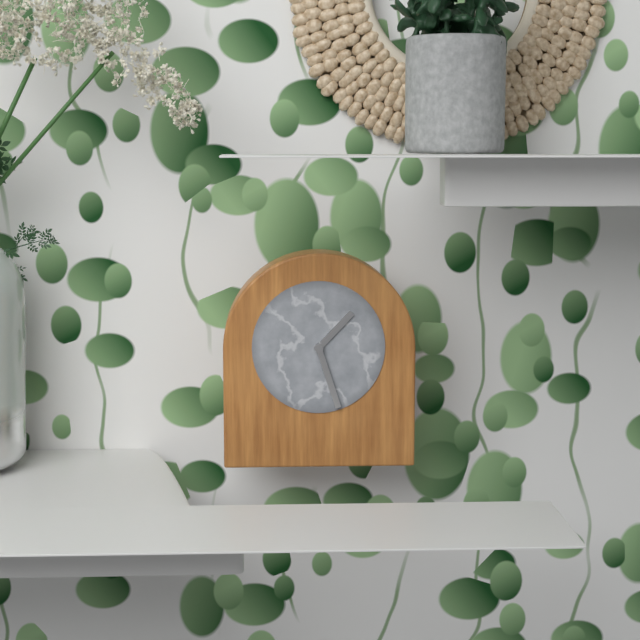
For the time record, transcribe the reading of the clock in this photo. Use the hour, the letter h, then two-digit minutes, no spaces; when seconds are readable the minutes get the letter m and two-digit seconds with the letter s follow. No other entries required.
1h27
